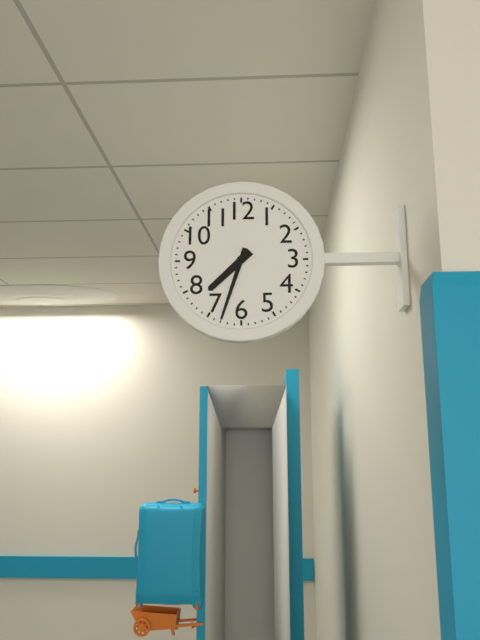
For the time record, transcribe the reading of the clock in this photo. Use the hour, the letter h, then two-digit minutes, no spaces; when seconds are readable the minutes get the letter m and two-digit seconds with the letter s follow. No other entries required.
7h33
